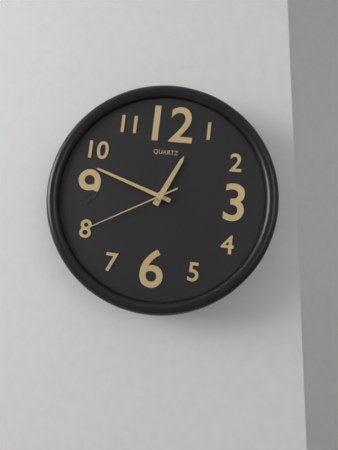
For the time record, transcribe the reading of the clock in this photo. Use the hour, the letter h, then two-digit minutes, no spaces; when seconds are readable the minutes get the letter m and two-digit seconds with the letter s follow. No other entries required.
12h48m40s
